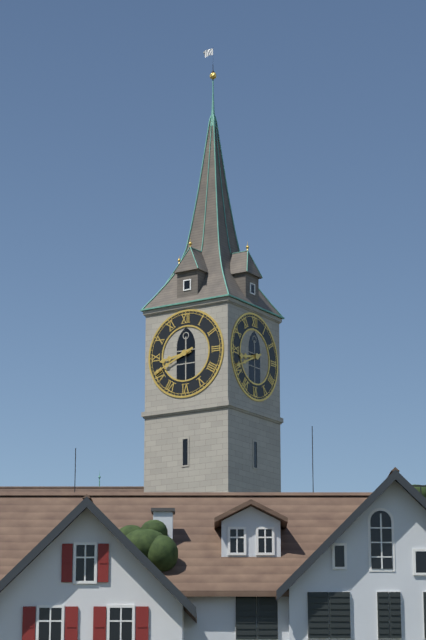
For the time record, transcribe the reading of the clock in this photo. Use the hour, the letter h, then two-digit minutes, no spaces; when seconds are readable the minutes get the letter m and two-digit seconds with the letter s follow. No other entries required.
8h41
